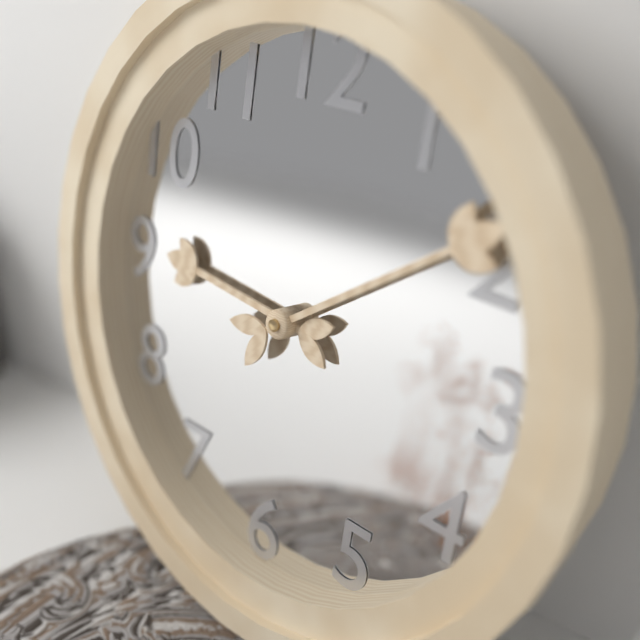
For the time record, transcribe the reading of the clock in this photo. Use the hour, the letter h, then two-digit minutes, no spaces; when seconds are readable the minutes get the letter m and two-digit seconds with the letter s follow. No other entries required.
9h09
